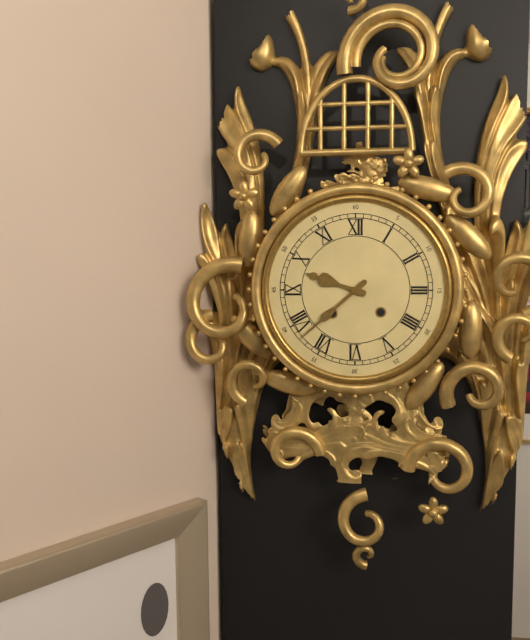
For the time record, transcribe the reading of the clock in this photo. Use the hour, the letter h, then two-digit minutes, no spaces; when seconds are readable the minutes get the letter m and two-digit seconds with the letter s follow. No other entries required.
9h38
